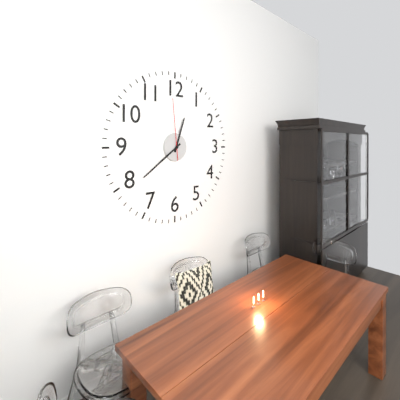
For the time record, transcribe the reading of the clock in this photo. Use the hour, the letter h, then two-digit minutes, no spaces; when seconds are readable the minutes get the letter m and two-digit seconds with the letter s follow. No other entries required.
12h39m59s
